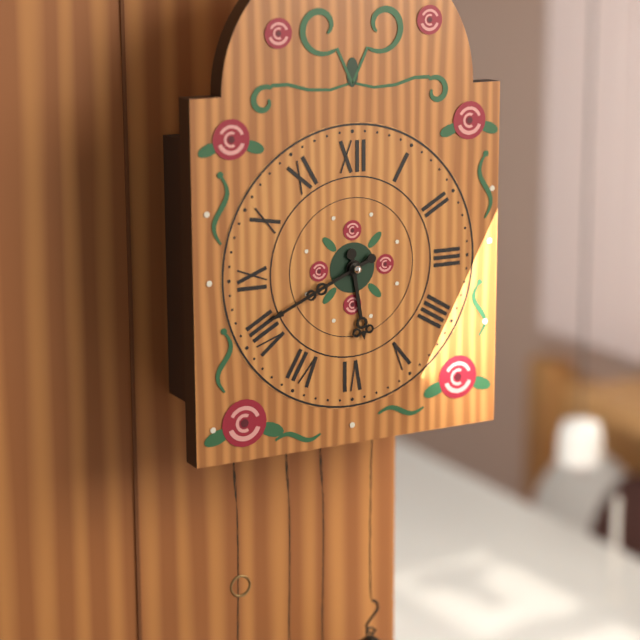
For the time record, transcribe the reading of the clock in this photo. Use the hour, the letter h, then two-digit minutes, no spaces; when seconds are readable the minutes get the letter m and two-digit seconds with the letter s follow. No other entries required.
5h41
